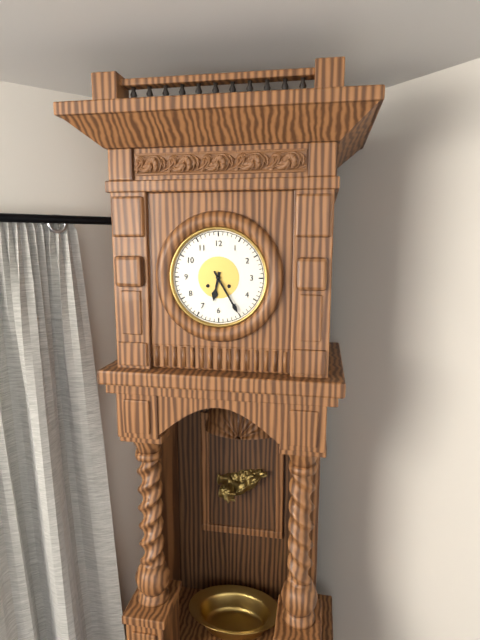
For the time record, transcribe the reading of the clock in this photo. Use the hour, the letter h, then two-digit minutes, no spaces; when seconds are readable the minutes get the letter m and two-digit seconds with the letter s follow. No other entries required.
6h25
